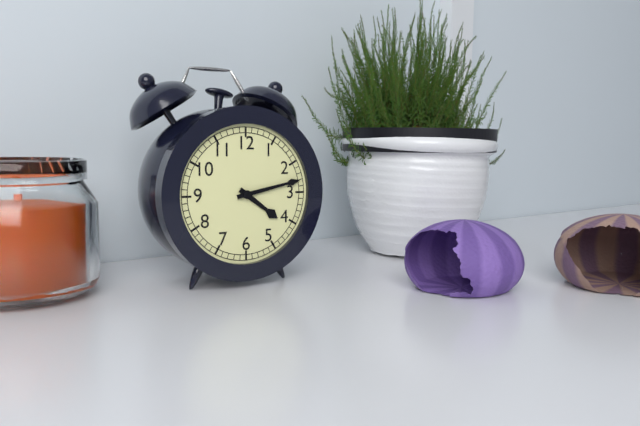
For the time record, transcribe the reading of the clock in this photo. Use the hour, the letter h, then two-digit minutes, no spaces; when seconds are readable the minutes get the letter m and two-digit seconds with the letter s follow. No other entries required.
4h13
